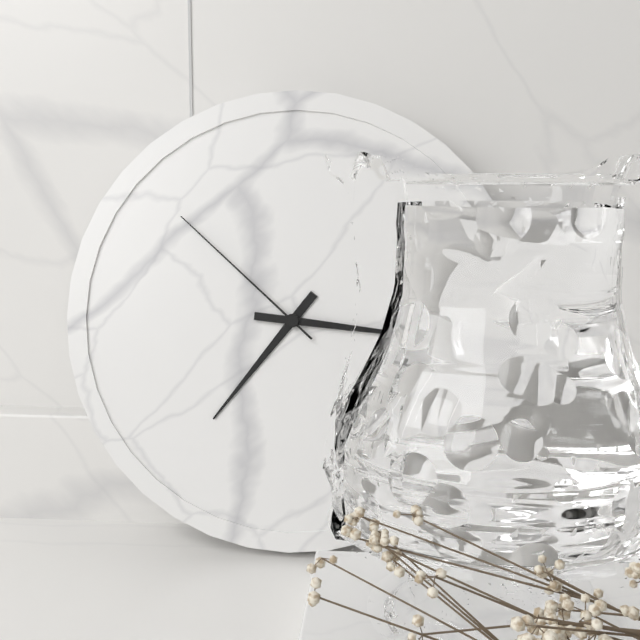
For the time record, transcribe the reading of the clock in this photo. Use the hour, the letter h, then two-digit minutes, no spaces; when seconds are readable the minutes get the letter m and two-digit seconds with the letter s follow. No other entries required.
7h16m52s
